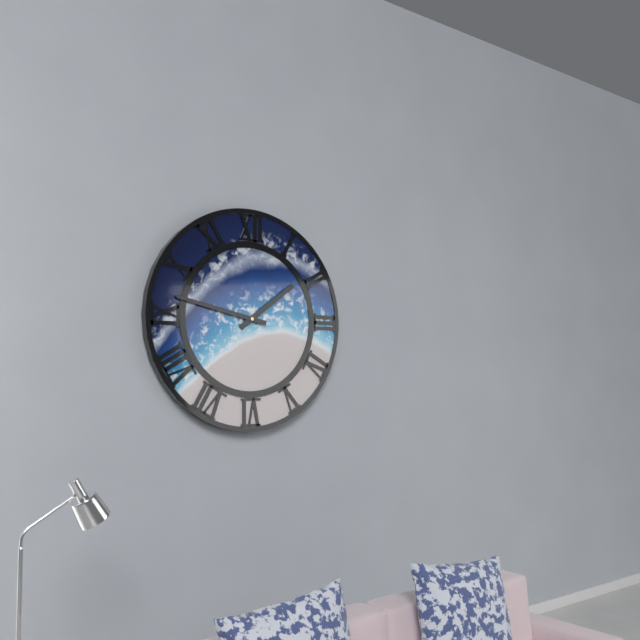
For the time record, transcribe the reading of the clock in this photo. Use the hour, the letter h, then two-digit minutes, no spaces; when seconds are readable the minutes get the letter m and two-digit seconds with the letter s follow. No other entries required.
1h47
